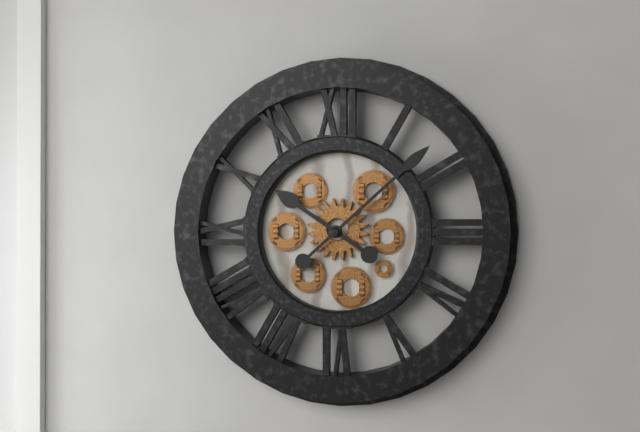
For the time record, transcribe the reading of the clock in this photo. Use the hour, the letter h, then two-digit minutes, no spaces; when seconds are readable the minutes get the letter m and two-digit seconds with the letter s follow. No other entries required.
10h08
